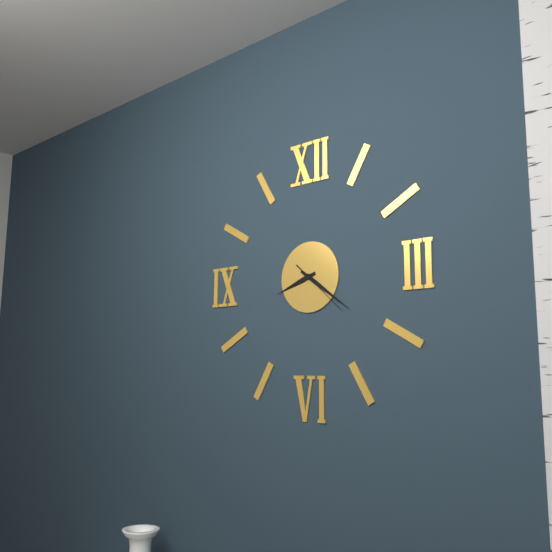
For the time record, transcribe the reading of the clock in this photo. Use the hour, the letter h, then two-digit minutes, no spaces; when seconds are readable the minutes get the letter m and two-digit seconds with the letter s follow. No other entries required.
8h21m22s
